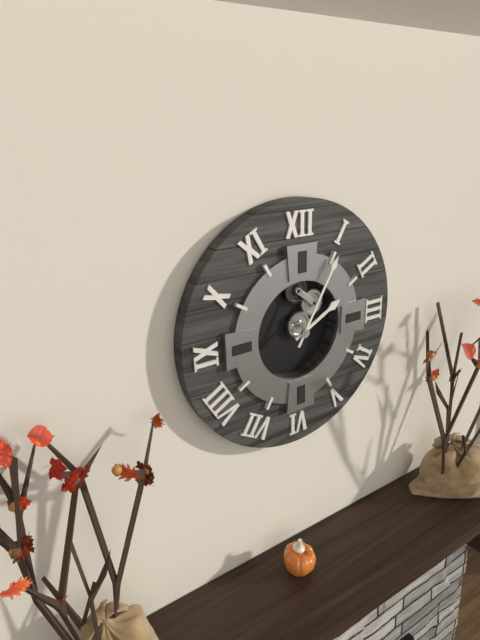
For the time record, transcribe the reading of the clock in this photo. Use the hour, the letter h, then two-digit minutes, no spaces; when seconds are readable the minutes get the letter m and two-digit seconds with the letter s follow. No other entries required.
2h05
